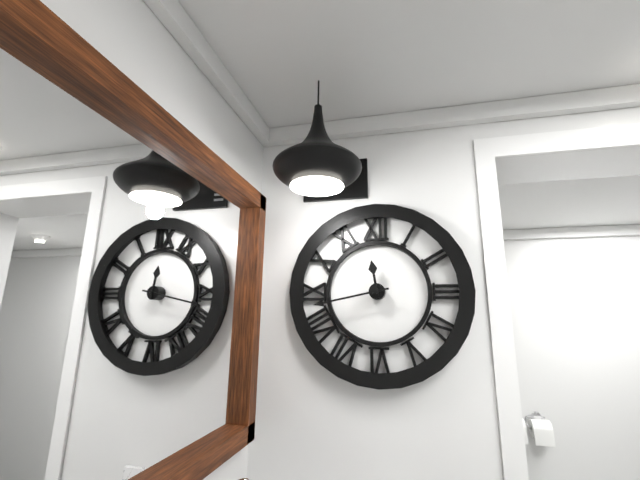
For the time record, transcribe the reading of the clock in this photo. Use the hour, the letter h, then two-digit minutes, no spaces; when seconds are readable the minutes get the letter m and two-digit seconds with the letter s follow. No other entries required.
11h43
